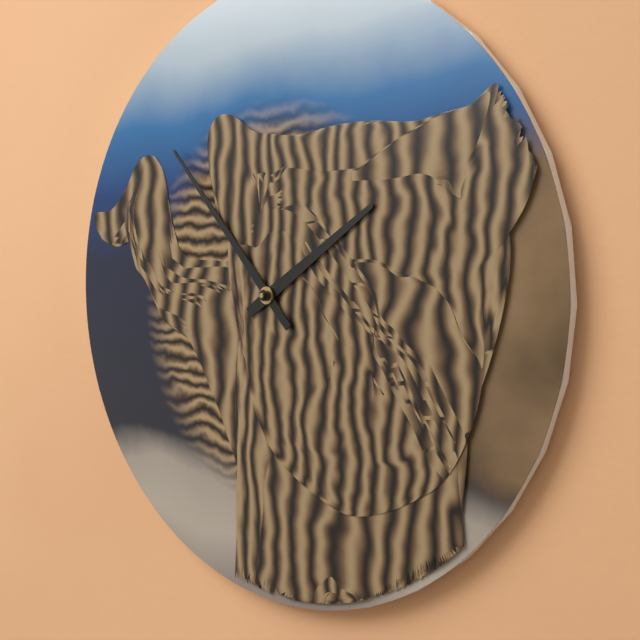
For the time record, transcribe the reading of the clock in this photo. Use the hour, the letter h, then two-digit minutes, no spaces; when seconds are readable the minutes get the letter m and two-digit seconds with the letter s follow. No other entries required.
1h53
